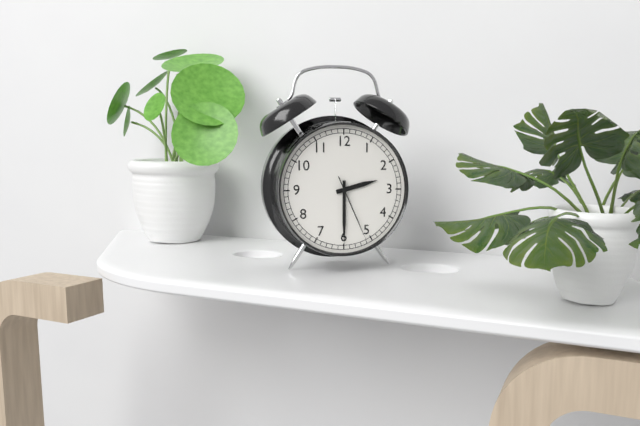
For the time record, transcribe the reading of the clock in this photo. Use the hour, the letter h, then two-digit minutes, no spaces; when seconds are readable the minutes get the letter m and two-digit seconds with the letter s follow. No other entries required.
2h30m26s
